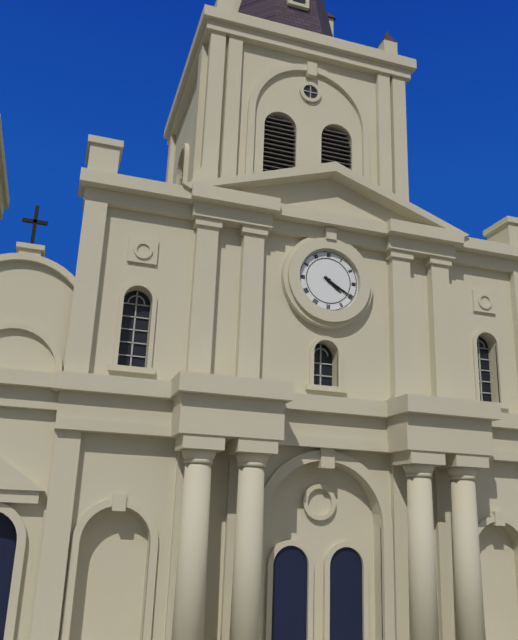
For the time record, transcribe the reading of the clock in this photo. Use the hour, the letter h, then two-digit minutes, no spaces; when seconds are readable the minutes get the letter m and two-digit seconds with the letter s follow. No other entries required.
4h20
